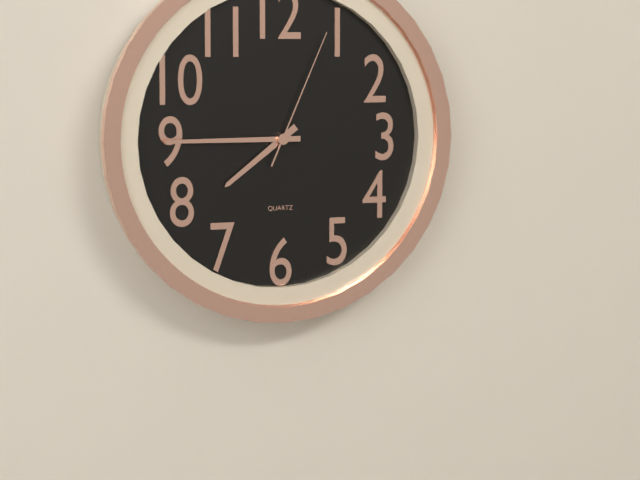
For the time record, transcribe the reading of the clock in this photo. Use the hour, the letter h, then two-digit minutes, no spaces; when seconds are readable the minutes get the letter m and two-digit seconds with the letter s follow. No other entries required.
7h45m04s
